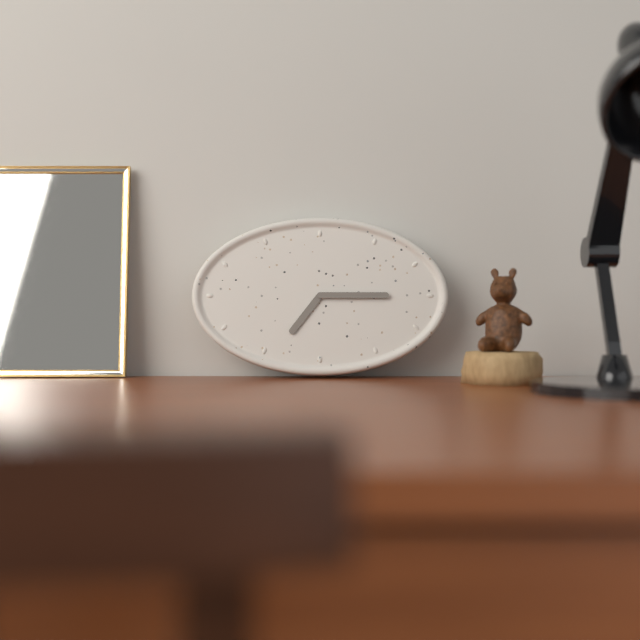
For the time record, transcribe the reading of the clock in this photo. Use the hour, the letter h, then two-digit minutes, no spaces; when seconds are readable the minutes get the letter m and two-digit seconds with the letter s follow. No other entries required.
7h15
